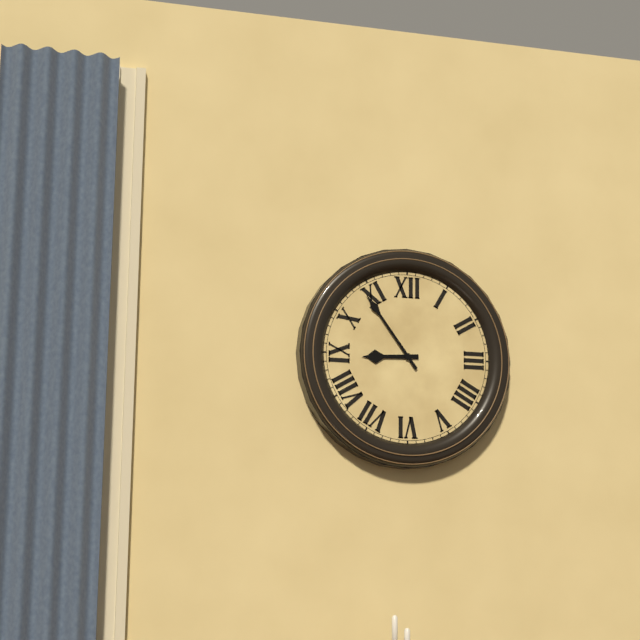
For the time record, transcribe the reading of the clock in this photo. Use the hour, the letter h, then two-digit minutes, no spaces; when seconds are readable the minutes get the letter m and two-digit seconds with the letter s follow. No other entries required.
8h54
